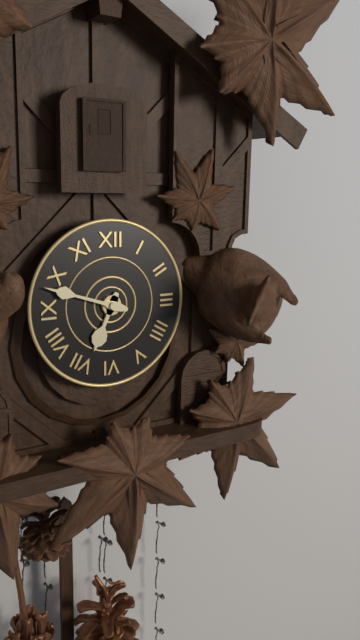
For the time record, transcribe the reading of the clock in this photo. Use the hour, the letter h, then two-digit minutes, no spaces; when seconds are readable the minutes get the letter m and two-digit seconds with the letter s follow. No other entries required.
6h48
